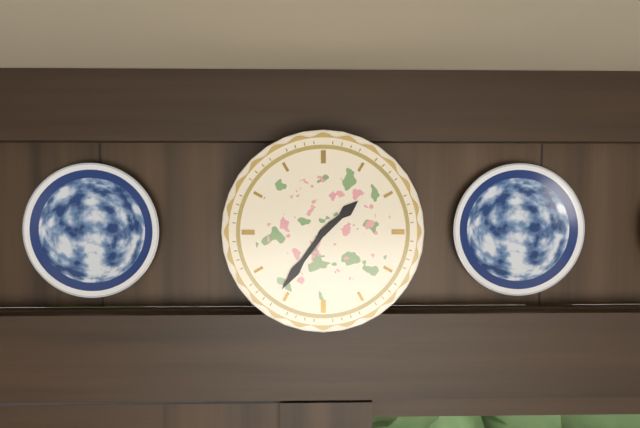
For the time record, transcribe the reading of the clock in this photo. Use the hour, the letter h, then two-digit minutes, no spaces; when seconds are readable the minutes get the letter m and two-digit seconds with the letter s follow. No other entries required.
1h36
